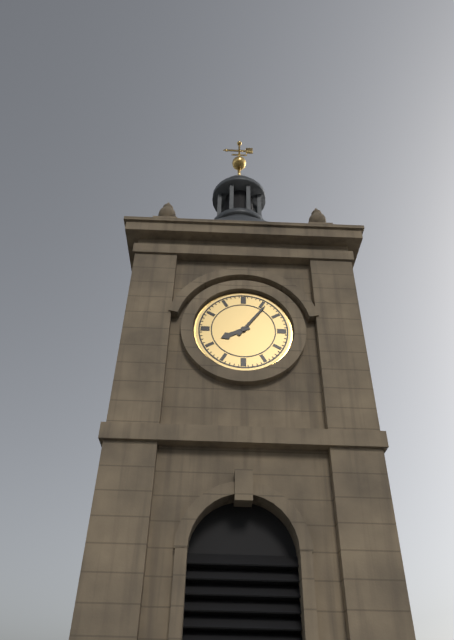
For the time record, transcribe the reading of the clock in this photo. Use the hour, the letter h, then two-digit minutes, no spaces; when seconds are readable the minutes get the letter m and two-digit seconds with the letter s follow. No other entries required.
8h06
